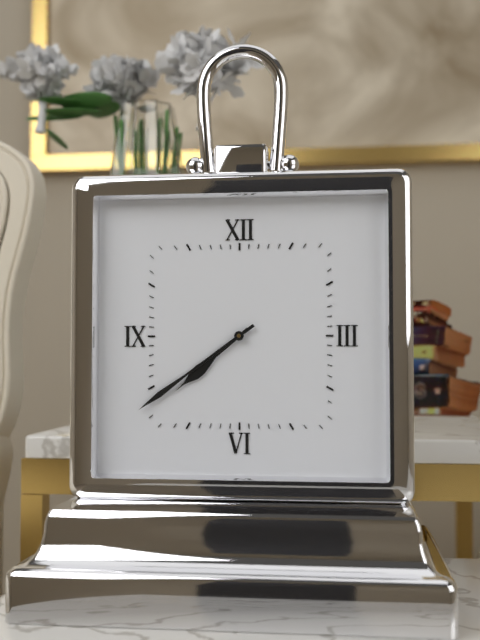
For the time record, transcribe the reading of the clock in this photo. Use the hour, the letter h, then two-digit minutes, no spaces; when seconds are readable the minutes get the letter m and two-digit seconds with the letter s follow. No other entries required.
7h39
